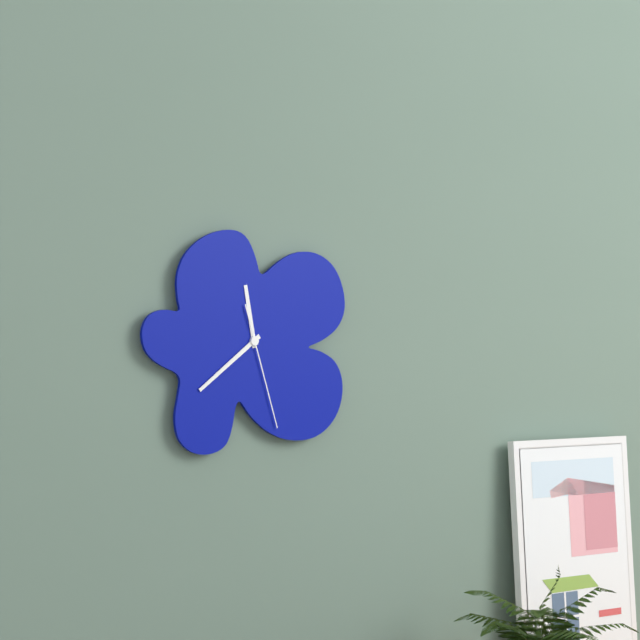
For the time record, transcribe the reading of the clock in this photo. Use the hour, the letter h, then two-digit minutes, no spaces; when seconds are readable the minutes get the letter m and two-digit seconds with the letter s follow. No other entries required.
11h39m27s
